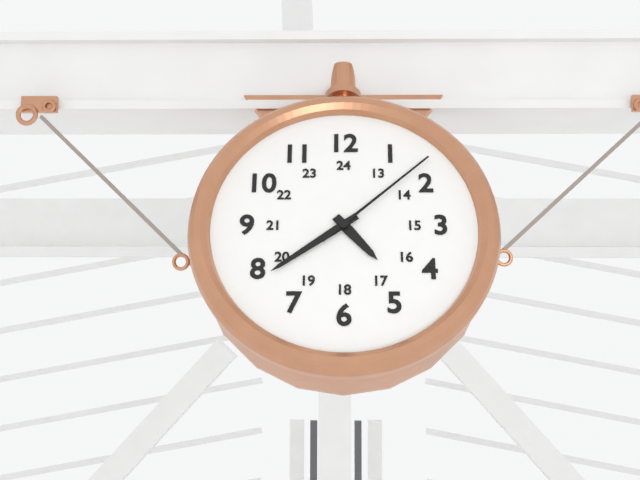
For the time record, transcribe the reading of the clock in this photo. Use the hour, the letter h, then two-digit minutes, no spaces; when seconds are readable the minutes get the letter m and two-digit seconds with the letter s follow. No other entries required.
4h39m08s
